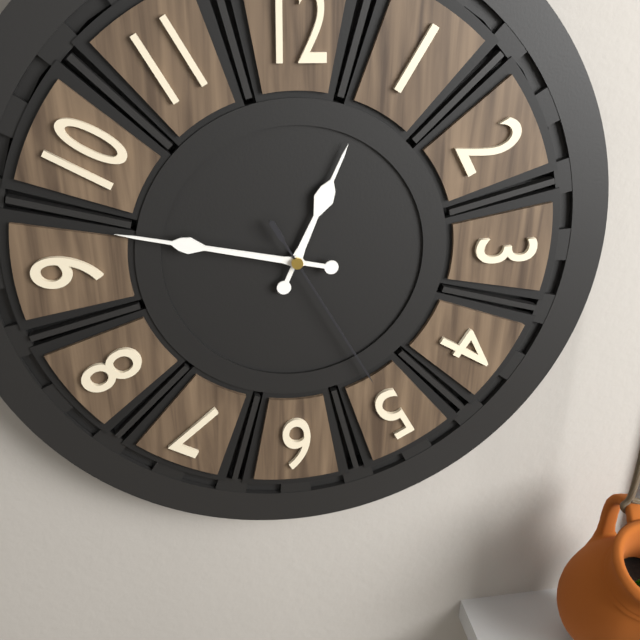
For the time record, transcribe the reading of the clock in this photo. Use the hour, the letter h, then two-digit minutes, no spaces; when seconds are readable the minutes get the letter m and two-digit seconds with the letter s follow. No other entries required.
12h47m25s
